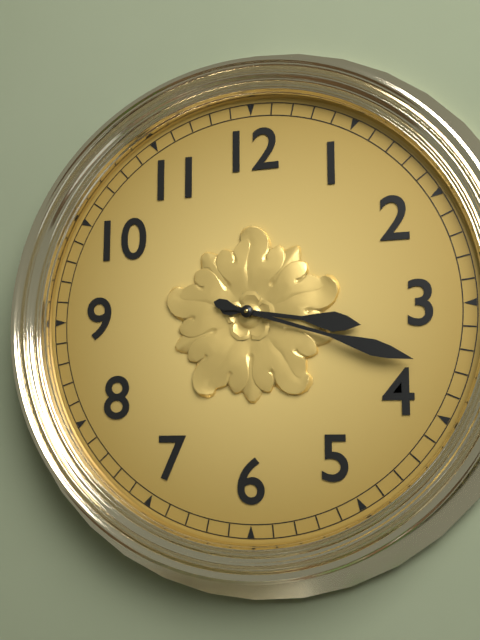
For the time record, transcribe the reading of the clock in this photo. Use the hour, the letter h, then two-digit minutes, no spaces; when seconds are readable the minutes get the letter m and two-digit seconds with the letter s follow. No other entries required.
3h18
